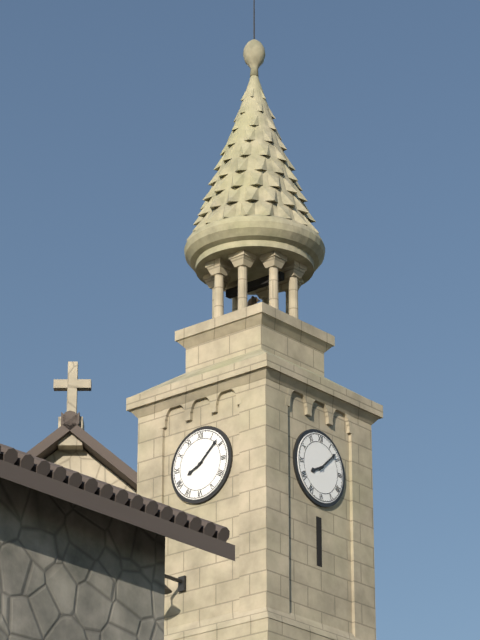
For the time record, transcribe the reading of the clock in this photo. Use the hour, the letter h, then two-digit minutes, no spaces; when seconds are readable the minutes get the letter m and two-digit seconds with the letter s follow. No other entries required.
8h08
